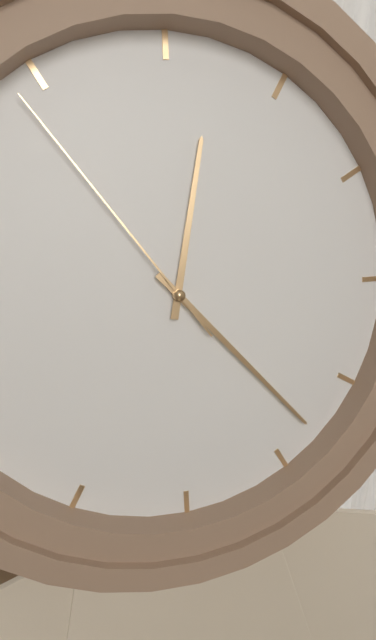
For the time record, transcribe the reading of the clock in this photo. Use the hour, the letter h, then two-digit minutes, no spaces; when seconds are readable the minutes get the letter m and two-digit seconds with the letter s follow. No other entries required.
12h23m54s
